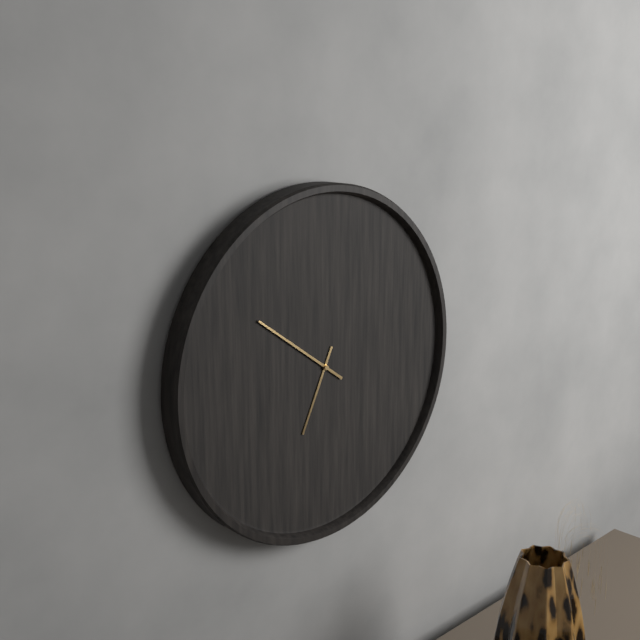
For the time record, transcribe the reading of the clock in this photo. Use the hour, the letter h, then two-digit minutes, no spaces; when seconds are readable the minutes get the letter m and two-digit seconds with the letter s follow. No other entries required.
6h51
